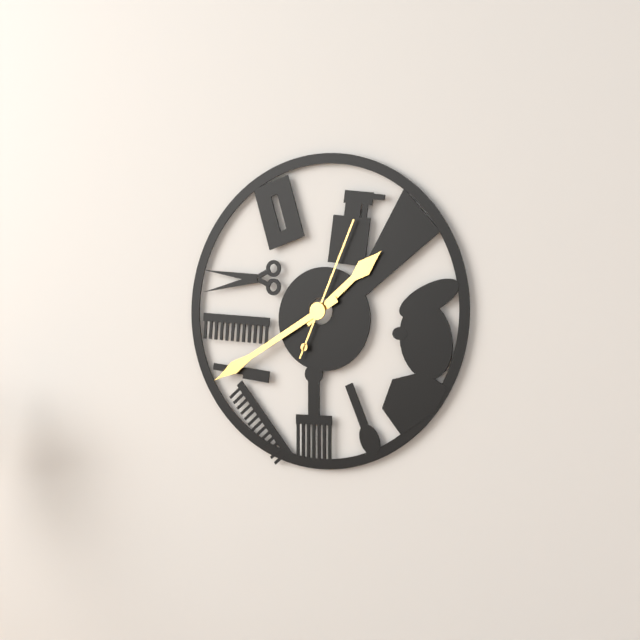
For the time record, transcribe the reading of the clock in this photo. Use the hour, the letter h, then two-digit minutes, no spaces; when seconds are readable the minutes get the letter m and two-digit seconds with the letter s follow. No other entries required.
1h40m04s
